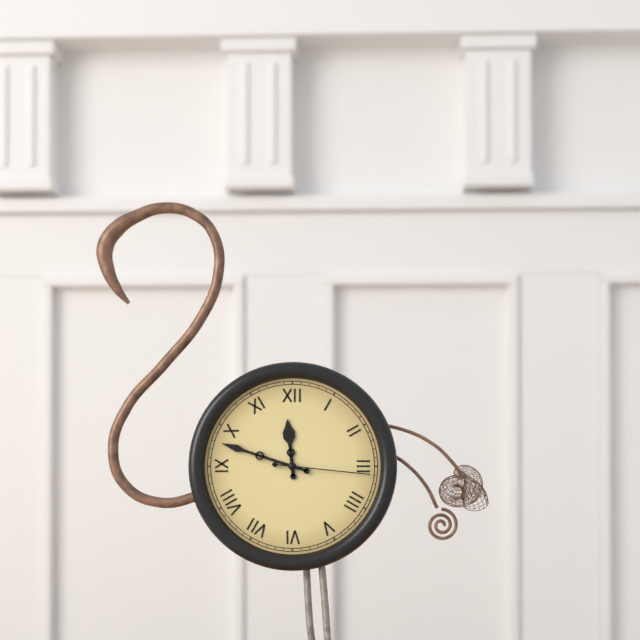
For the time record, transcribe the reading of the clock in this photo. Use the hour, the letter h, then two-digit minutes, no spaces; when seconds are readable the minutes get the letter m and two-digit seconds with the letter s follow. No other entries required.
11h48m16s
